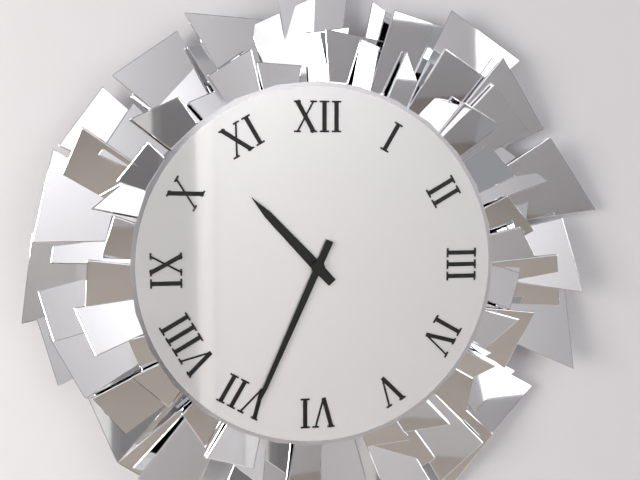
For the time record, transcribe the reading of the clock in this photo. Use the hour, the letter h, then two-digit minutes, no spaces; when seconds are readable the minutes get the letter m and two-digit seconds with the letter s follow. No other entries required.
10h34
